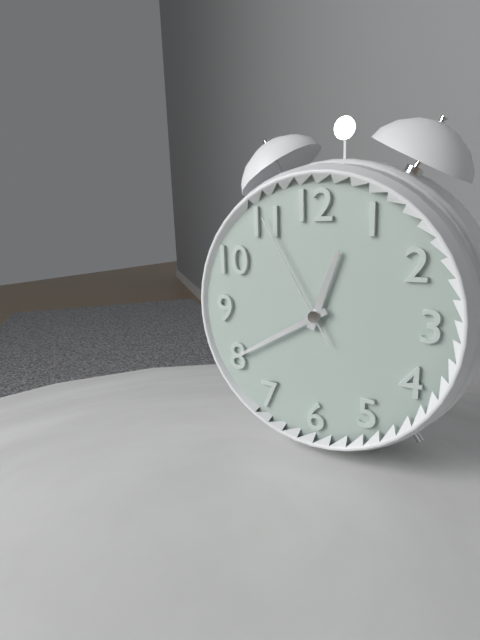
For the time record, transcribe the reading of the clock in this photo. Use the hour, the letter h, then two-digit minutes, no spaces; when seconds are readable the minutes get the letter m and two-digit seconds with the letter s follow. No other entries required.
12h40m55s
